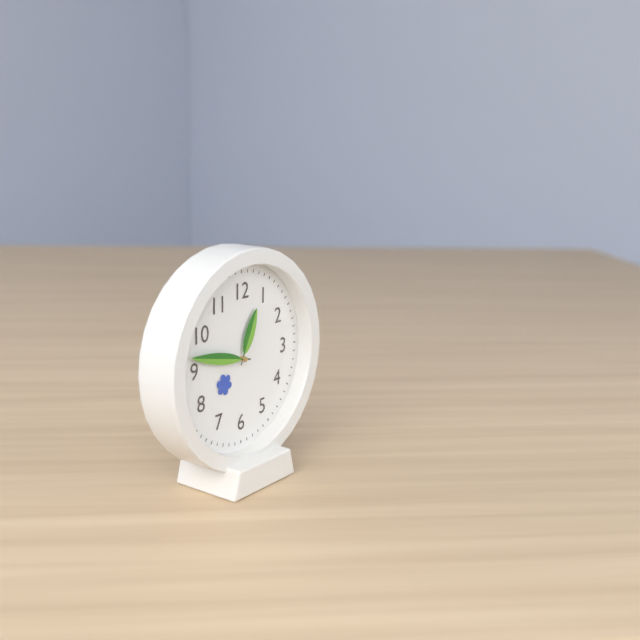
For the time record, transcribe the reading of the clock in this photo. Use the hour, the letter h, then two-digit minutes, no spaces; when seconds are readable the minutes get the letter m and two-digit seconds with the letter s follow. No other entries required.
12h47
